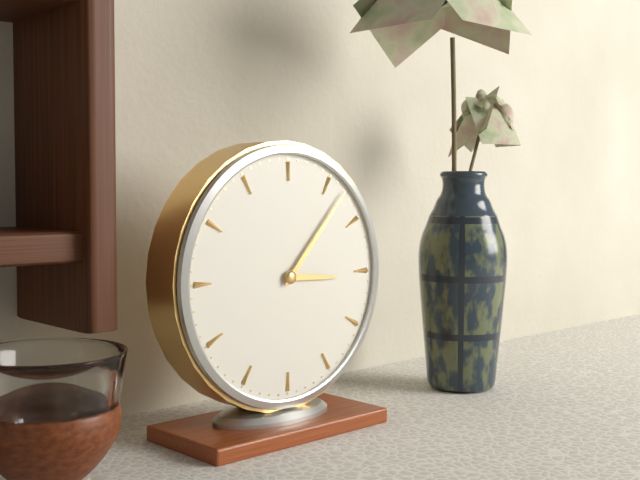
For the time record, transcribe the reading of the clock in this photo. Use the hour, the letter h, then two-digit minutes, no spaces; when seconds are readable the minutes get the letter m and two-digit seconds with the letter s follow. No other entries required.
3h07
